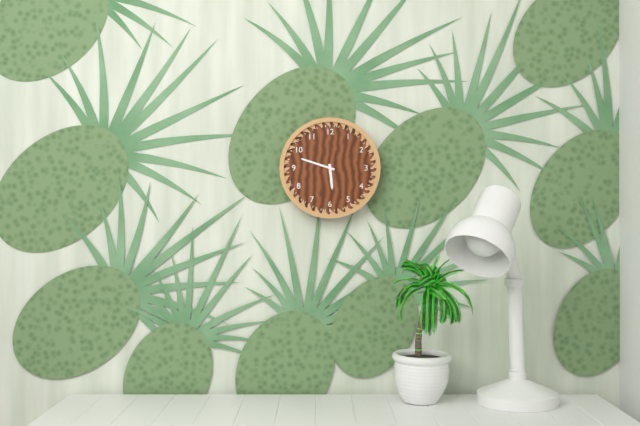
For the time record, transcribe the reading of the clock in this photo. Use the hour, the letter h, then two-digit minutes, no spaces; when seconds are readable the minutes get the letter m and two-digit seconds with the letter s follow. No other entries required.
5h48
